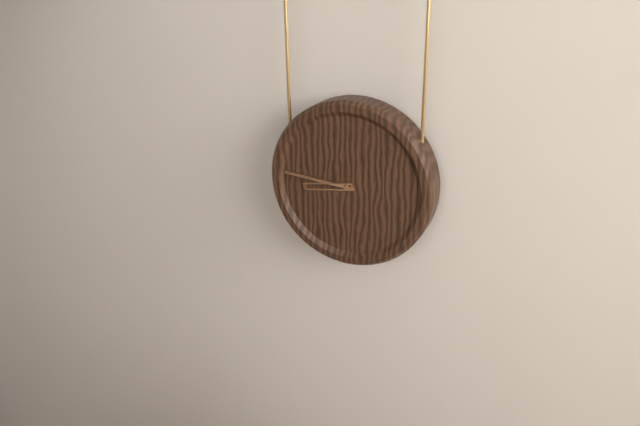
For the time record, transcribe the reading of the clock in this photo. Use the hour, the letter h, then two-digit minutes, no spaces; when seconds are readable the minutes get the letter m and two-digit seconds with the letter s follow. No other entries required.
8h46
